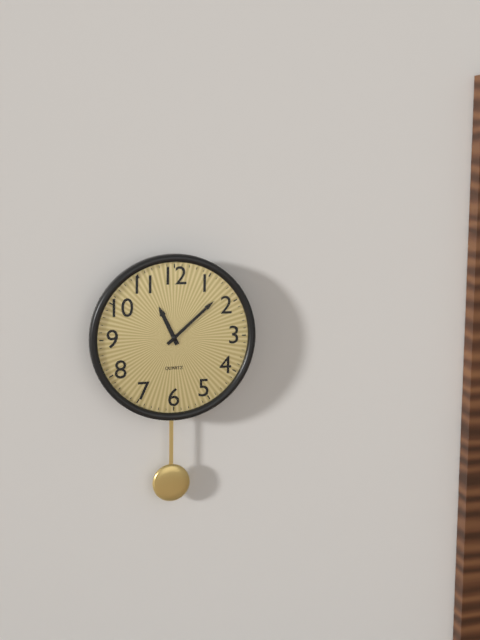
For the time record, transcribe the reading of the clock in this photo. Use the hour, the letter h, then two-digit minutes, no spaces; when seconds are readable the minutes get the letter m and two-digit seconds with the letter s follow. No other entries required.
11h08
